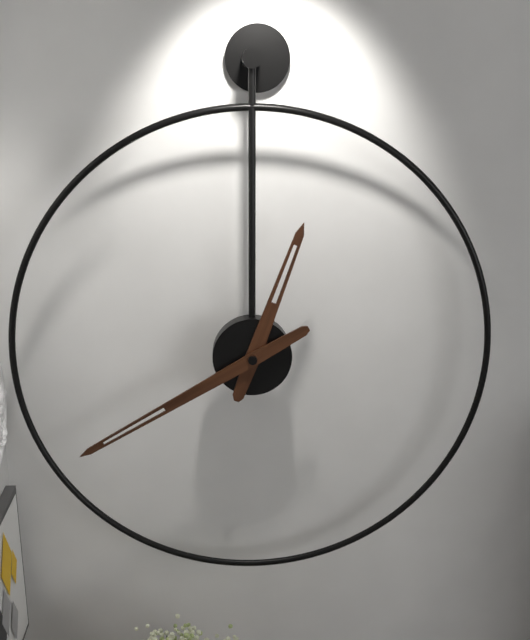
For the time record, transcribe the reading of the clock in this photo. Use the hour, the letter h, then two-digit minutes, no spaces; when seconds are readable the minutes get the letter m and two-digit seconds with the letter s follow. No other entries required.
12h40
